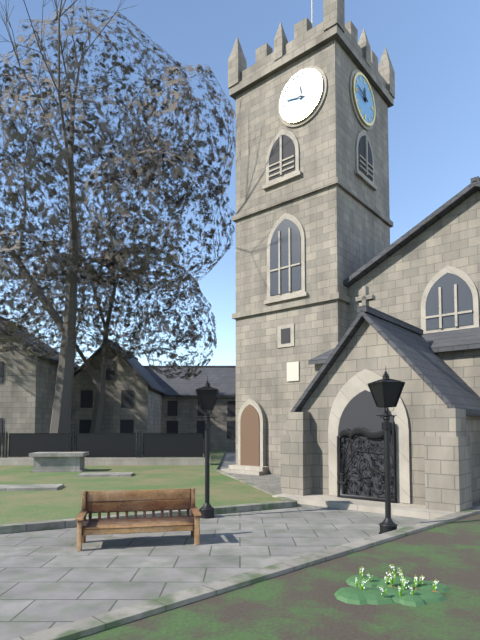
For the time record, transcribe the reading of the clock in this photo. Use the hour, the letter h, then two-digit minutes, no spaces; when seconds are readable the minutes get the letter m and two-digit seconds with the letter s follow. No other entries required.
11h47
